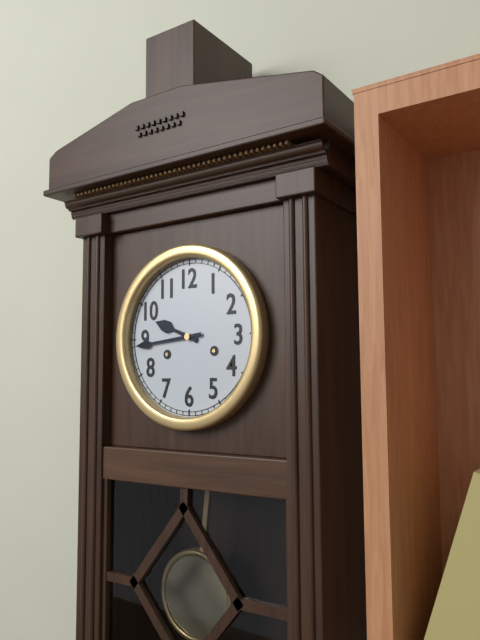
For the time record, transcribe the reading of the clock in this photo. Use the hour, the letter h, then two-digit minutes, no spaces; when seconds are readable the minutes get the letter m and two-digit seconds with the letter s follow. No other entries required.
9h44
